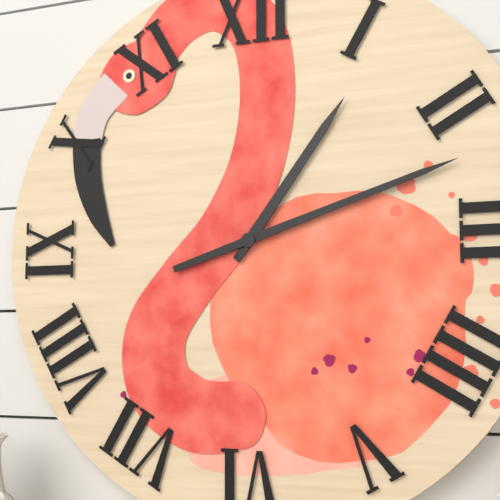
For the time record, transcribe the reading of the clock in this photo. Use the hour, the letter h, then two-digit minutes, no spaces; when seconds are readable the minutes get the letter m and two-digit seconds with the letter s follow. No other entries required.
1h12
